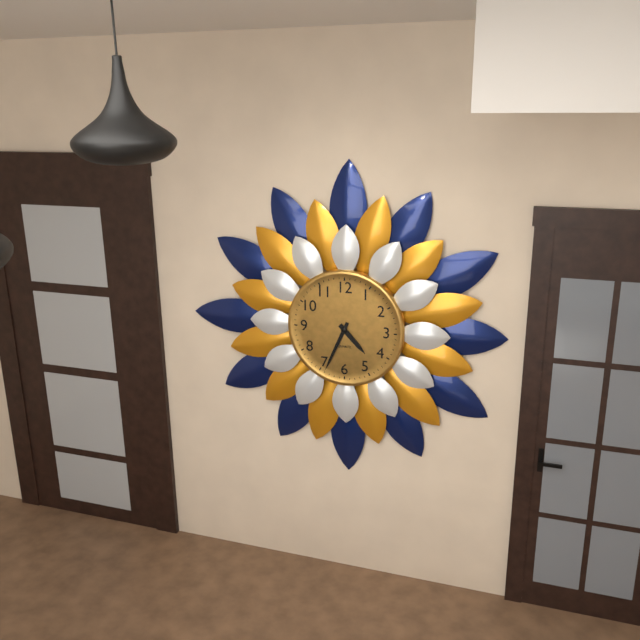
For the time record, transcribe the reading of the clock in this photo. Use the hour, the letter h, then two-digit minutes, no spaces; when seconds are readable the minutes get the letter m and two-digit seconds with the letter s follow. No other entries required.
4h34
